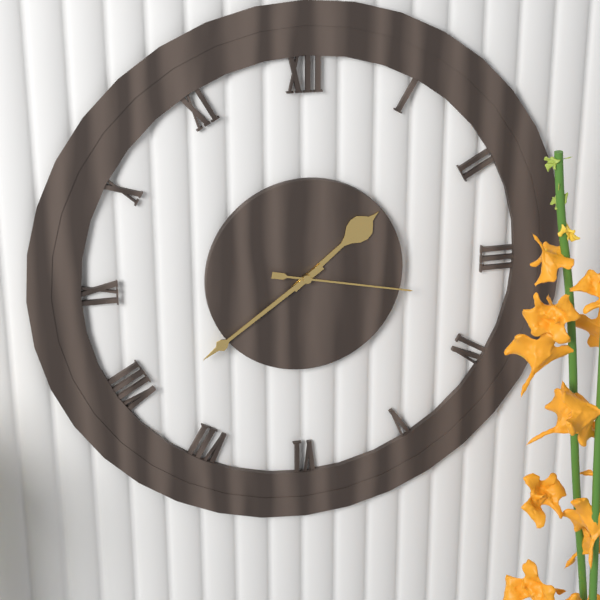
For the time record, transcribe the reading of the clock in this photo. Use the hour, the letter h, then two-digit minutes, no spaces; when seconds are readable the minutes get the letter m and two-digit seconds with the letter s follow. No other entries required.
1h39m17s
